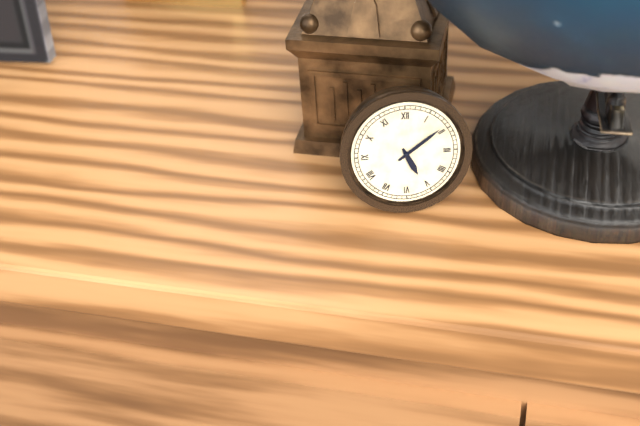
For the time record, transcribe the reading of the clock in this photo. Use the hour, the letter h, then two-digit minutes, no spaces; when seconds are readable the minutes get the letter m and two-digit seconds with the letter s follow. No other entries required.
5h09
